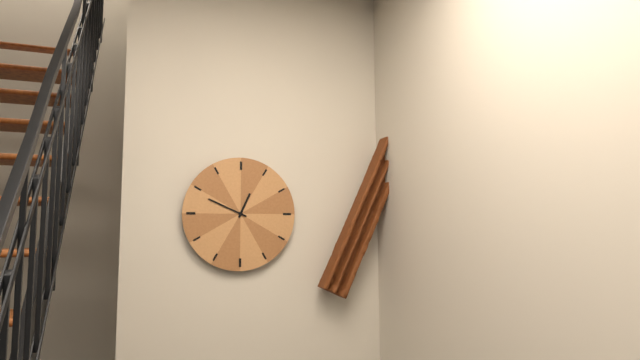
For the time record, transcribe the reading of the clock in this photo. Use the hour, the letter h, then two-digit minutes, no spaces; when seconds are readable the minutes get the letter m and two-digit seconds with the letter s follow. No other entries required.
12h49
